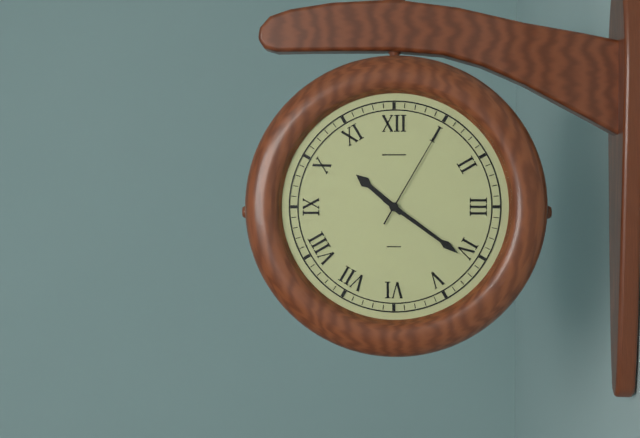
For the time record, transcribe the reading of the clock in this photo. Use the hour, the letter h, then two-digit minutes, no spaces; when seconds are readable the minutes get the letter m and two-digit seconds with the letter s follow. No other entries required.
10h21m05s
